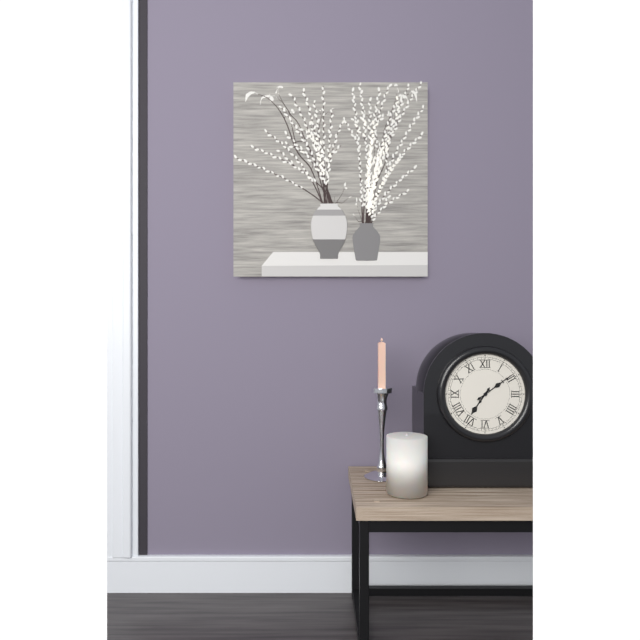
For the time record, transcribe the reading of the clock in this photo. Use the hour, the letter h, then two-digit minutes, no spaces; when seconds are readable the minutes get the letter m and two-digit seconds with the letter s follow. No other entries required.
7h09
